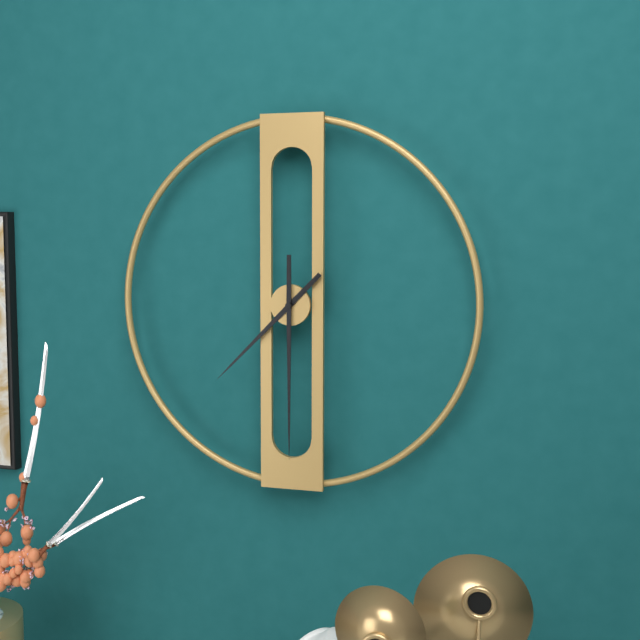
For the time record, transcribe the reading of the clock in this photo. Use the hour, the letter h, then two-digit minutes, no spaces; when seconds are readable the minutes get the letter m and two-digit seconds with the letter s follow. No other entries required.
7h30
